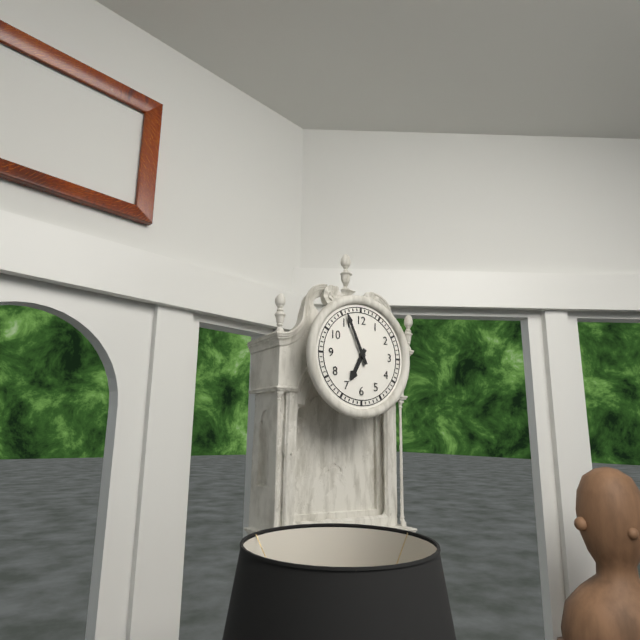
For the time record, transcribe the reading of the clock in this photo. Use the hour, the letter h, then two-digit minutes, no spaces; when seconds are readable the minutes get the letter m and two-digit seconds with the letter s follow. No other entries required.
6h56
